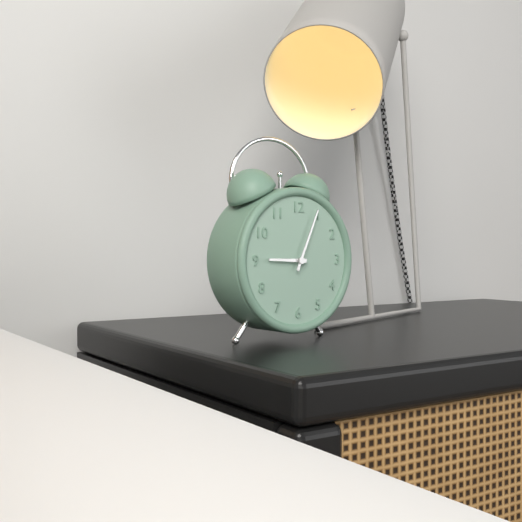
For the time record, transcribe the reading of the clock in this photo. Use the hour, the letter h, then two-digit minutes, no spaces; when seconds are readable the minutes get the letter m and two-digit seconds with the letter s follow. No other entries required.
9h04
